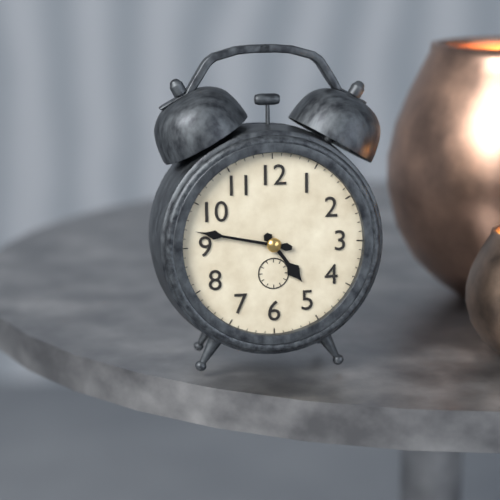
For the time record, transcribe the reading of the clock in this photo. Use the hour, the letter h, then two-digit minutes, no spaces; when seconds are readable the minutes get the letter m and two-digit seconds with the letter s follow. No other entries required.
4h47
